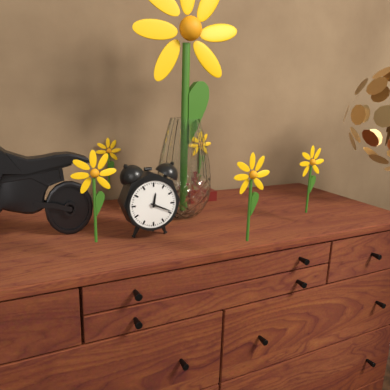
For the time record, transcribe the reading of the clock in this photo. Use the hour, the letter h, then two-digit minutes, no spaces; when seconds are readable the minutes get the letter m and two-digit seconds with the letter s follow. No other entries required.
12h19
